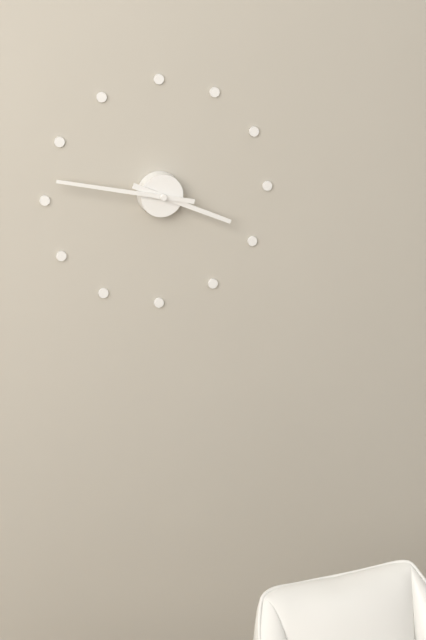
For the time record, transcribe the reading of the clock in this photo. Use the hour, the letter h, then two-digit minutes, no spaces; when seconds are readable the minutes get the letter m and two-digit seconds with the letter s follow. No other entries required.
3h47
